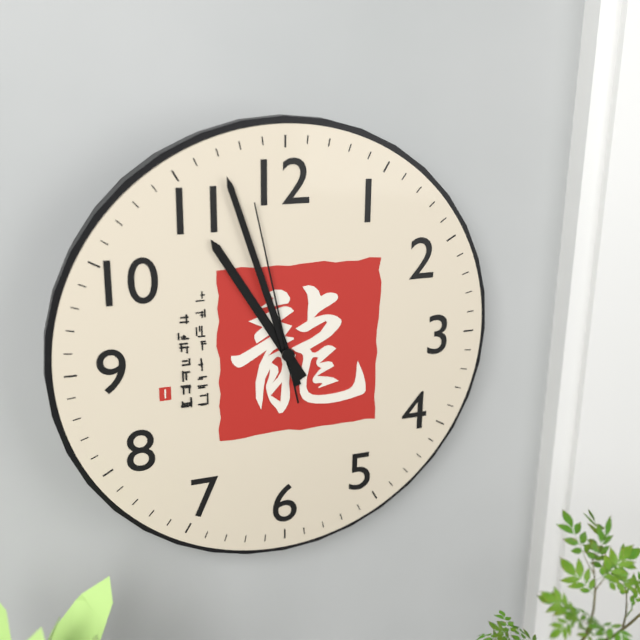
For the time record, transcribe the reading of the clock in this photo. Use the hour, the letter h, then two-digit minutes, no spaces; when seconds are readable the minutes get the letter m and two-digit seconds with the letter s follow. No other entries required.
10h57m58s
